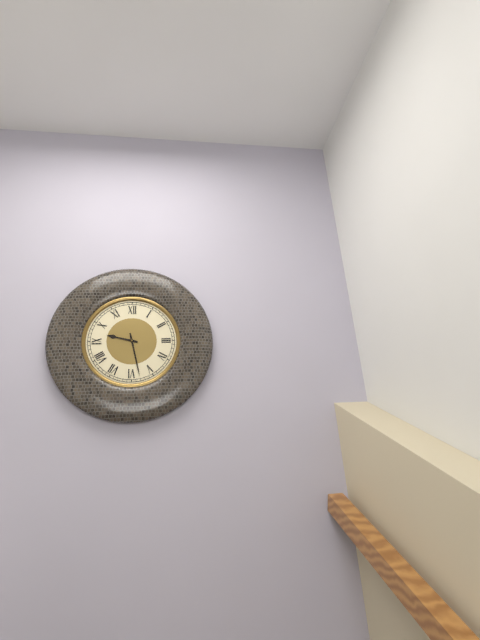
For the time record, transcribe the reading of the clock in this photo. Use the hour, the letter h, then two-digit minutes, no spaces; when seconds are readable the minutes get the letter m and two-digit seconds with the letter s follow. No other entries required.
9h28
